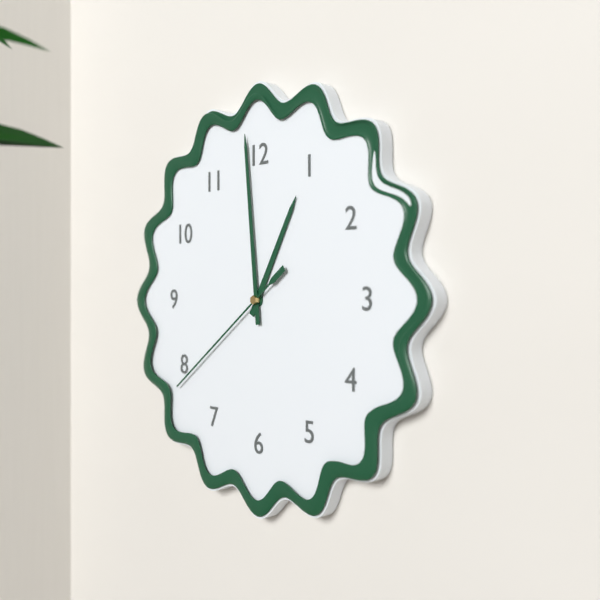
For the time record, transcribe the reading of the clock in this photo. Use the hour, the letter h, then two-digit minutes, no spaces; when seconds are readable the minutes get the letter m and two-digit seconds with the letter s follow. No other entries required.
12h59m39s
